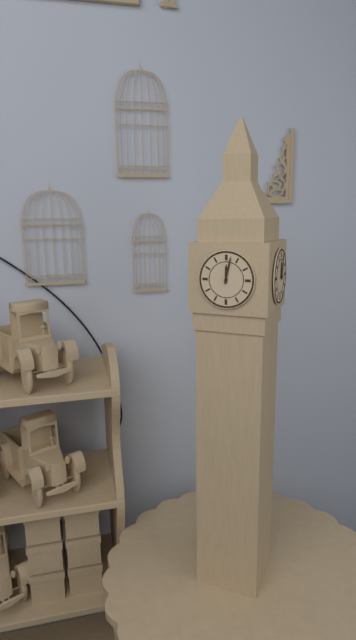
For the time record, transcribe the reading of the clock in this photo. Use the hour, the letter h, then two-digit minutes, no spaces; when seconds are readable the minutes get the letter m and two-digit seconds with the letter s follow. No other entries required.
12h02
